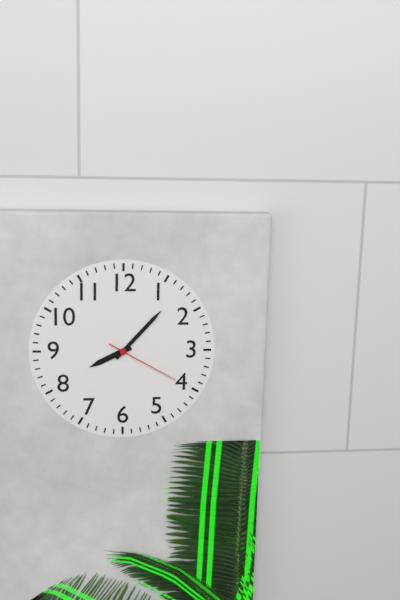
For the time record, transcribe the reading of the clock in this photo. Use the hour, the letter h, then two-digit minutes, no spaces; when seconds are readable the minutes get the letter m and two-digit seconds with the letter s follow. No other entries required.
8h07m20s
